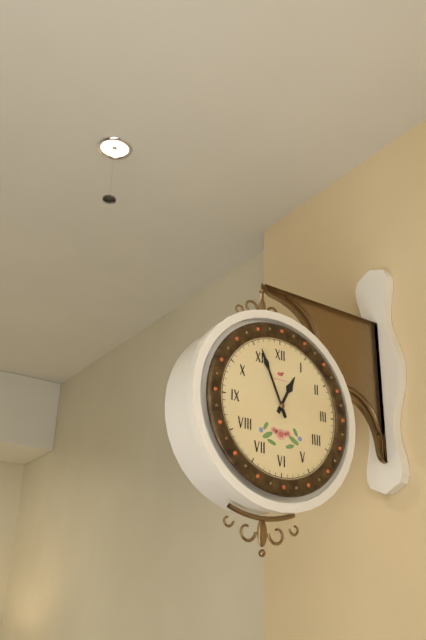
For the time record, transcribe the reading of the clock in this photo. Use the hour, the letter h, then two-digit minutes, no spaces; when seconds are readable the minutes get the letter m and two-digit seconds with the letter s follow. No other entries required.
12h56
